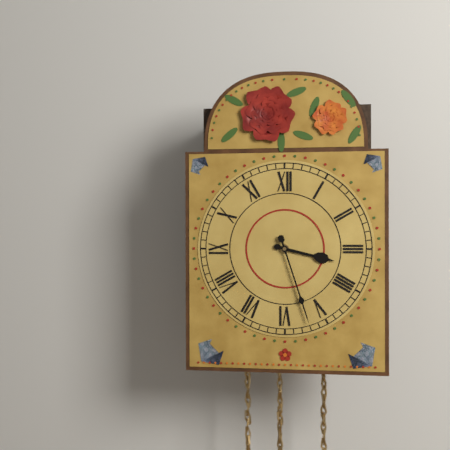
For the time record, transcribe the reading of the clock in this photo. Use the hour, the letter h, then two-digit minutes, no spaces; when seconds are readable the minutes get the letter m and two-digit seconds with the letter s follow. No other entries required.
3h27
